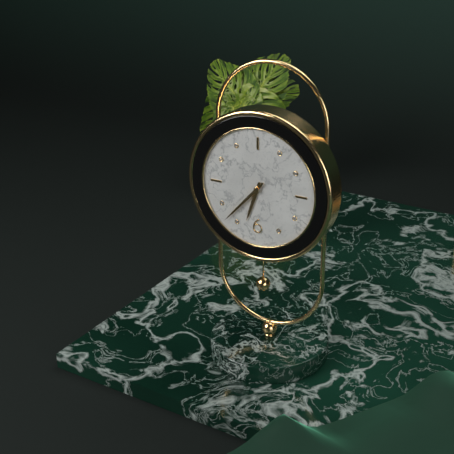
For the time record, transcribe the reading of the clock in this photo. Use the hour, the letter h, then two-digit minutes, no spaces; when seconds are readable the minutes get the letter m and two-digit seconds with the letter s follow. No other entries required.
6h37
